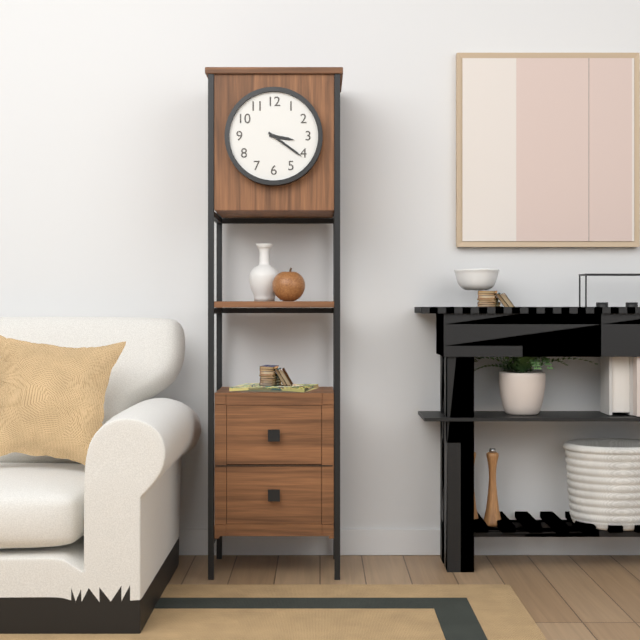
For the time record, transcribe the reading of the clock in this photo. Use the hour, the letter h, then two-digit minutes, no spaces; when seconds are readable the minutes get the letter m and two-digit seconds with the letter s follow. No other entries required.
3h21
